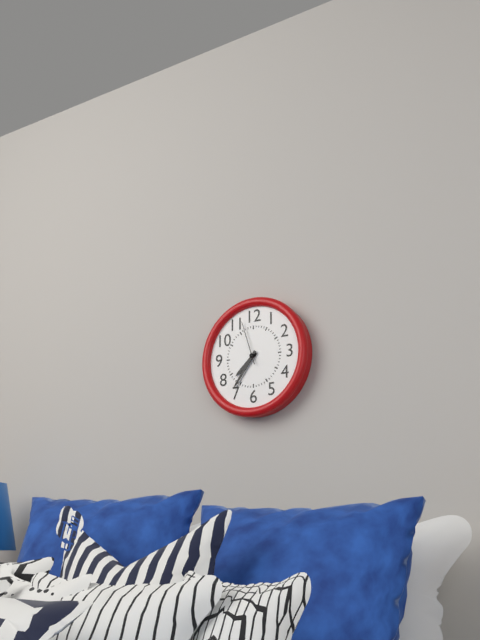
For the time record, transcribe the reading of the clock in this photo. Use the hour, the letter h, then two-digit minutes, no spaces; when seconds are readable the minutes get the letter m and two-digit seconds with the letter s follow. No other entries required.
7h36
